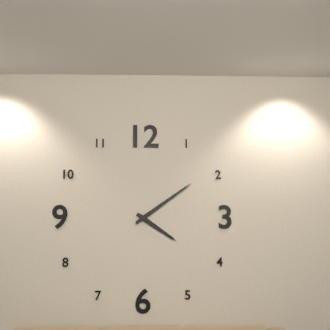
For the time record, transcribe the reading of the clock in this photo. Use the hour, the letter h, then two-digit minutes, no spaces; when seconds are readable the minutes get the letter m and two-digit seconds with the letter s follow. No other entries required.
4h09
